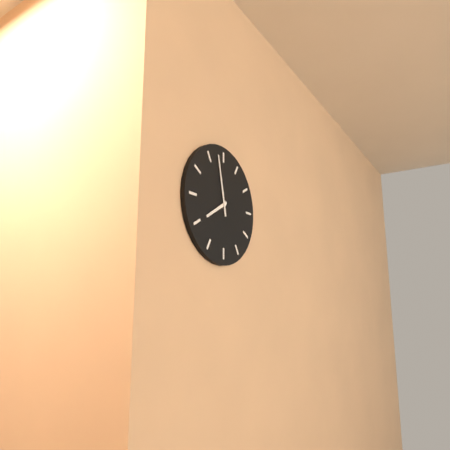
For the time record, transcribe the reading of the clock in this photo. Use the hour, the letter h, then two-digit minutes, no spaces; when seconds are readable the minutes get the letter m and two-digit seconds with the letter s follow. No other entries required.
7h58
